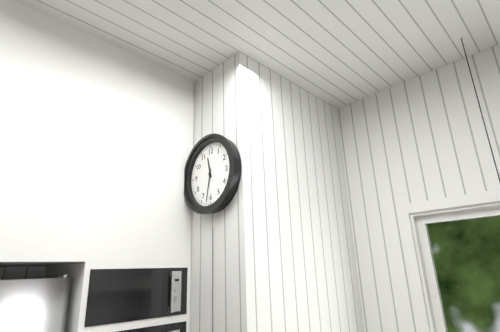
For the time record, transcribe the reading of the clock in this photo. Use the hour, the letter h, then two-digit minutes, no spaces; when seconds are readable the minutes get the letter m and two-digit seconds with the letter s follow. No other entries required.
11h32
